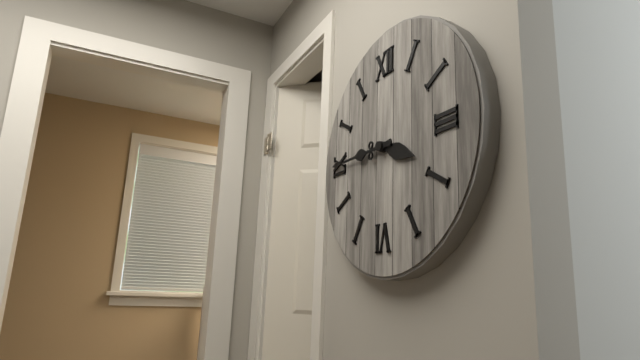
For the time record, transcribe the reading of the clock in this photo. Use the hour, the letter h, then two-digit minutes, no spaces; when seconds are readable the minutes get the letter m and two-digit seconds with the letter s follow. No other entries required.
3h45
